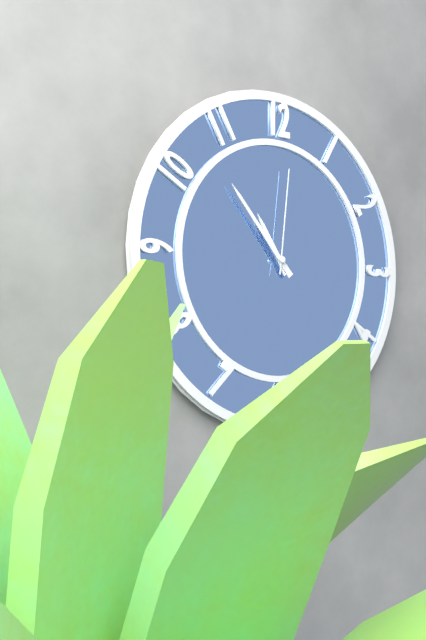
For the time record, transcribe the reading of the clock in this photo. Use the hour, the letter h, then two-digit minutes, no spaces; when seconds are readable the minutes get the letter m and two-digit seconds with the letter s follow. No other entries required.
10h53m01s
